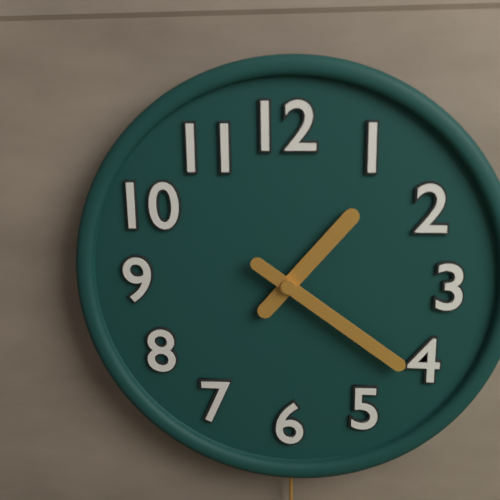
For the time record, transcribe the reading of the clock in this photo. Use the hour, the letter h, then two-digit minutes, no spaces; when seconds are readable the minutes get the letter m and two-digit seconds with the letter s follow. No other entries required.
1h21
